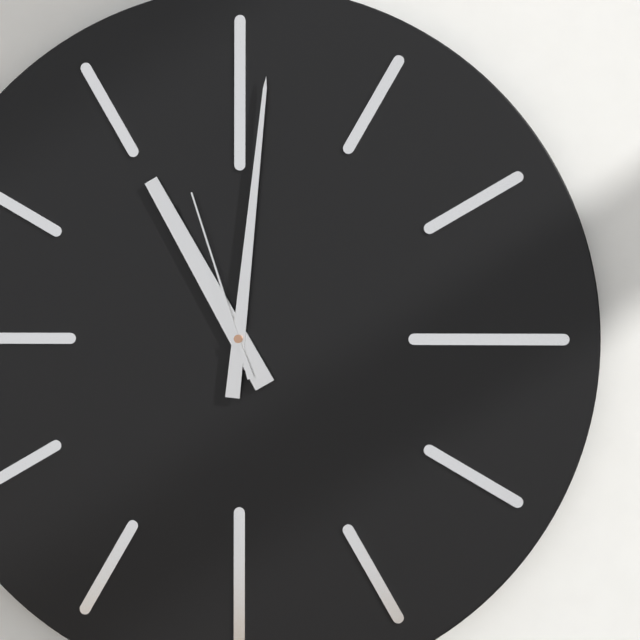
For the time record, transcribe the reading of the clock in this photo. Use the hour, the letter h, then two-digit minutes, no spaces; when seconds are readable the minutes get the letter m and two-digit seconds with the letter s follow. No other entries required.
11h01m57s
